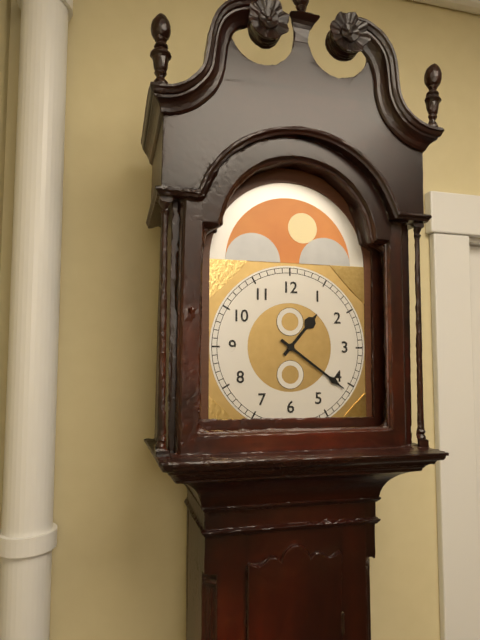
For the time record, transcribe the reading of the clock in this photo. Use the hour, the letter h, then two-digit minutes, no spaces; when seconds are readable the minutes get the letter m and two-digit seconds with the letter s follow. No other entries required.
1h21
